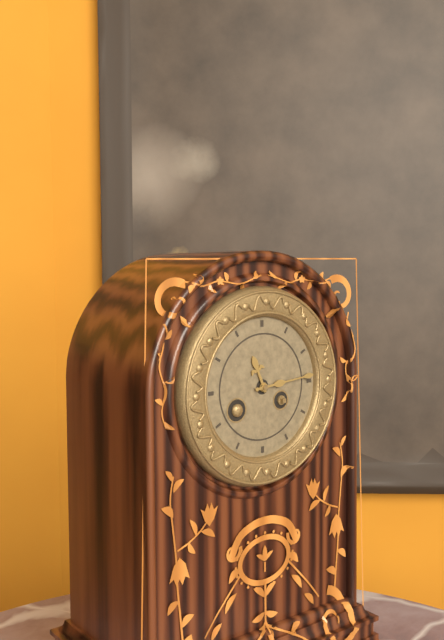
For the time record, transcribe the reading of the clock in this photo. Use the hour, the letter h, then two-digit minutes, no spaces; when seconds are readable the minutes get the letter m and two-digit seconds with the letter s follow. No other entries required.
11h14
